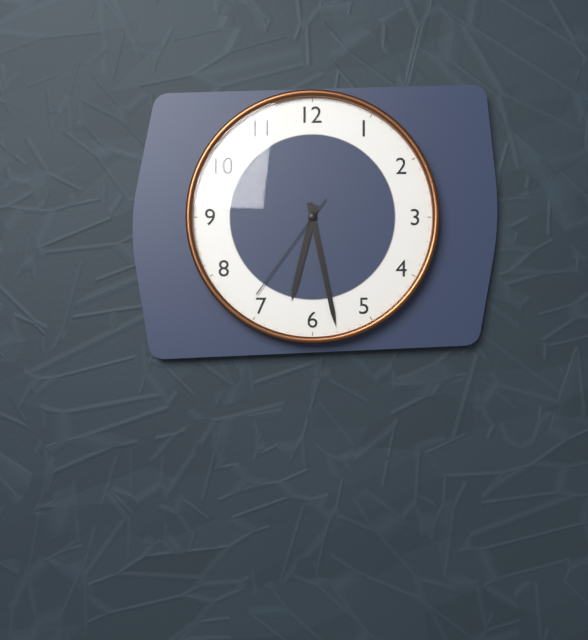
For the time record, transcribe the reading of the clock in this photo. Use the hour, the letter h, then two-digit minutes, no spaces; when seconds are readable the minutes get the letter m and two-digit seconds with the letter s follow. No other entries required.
6h28m36s
